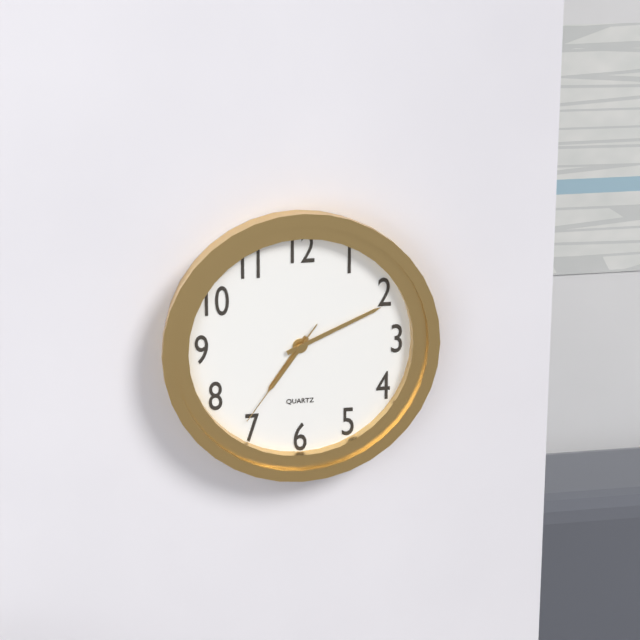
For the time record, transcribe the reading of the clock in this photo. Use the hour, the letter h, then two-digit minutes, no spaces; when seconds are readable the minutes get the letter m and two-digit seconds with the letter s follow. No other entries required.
7h11m36s
